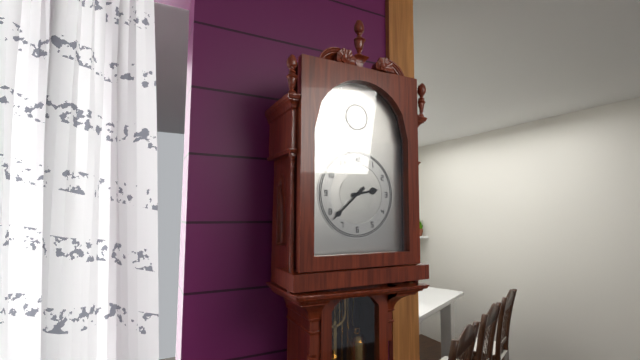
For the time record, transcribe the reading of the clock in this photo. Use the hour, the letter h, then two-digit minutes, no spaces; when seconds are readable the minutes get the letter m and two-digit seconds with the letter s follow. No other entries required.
2h38
